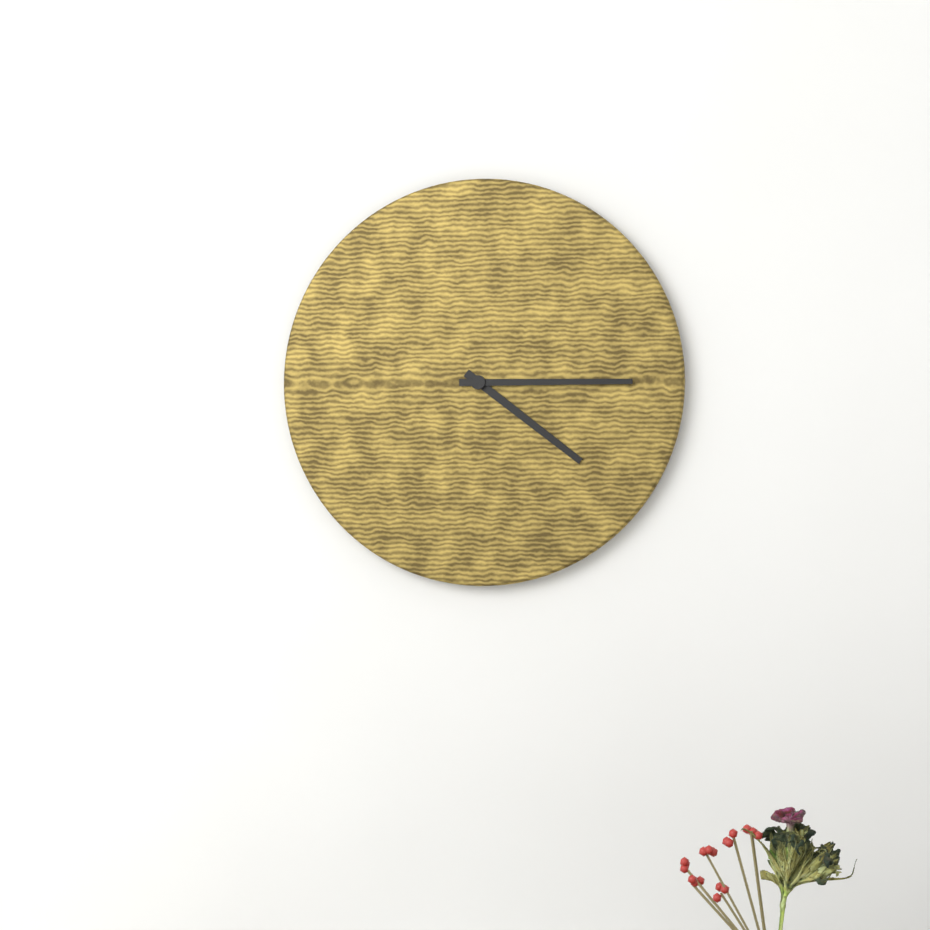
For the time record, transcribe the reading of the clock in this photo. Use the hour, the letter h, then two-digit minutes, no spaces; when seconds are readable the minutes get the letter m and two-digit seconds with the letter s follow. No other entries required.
4h15
